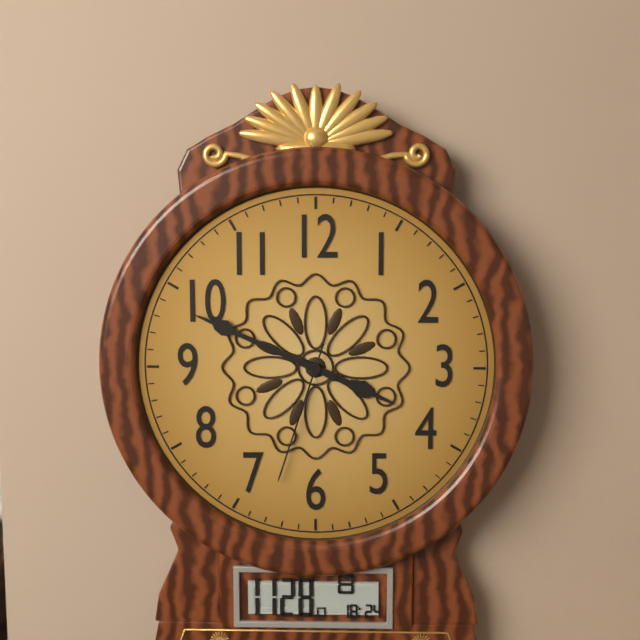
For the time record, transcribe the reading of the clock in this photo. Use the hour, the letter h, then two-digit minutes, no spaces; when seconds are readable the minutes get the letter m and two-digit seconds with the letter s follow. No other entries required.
3h49m33s
